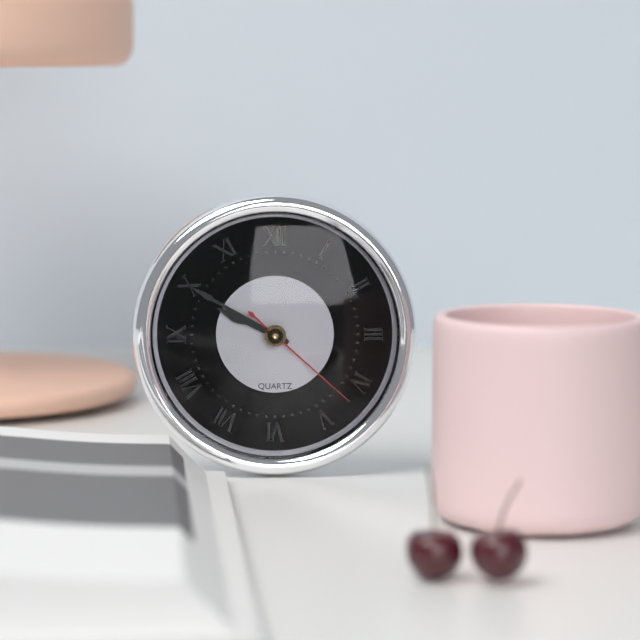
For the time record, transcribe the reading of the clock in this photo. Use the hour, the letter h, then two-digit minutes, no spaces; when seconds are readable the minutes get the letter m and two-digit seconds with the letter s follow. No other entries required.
9h50m22s
